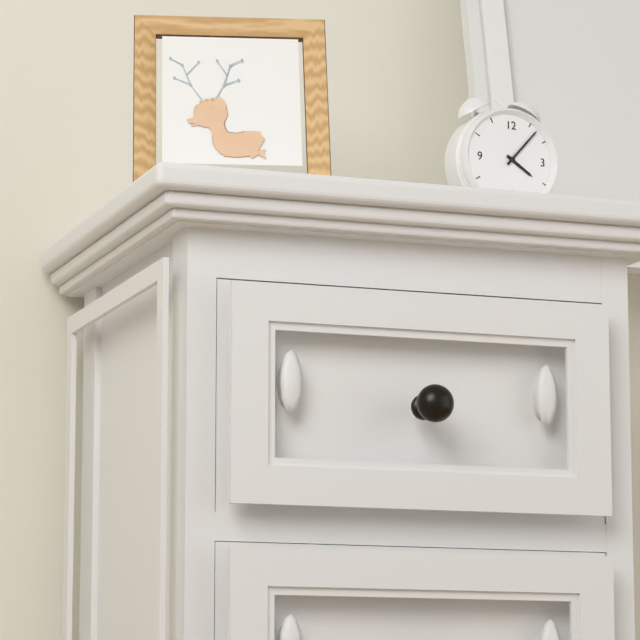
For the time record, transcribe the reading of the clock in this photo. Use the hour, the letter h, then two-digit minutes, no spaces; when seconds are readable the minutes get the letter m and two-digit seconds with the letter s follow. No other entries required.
4h07
